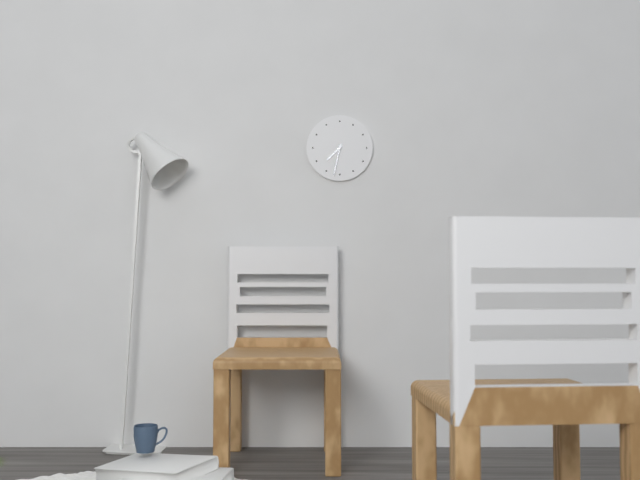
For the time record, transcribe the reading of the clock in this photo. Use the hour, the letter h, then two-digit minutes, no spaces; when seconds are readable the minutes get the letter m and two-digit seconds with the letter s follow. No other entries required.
7h32
